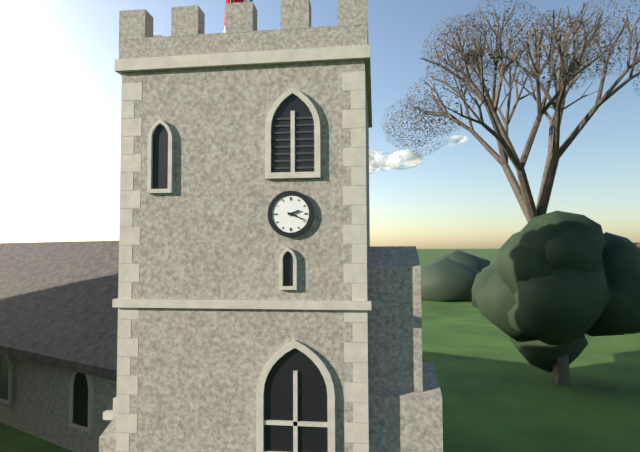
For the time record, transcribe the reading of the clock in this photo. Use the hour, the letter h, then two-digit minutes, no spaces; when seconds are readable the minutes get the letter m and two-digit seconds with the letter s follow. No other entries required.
2h19
